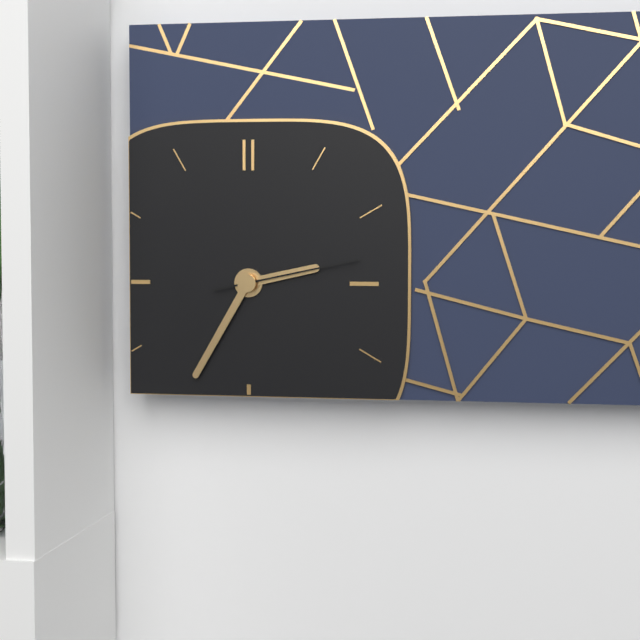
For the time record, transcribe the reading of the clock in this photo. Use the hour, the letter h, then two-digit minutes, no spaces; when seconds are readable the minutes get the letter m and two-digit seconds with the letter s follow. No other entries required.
2h35m13s
